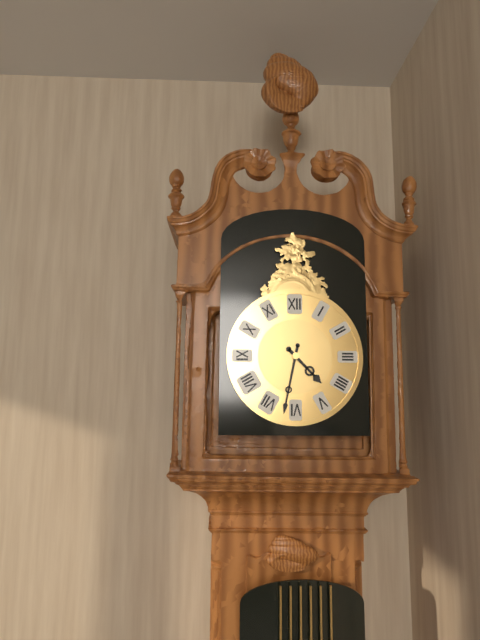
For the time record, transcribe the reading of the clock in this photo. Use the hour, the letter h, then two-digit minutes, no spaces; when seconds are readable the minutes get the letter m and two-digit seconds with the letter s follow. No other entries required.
4h32
